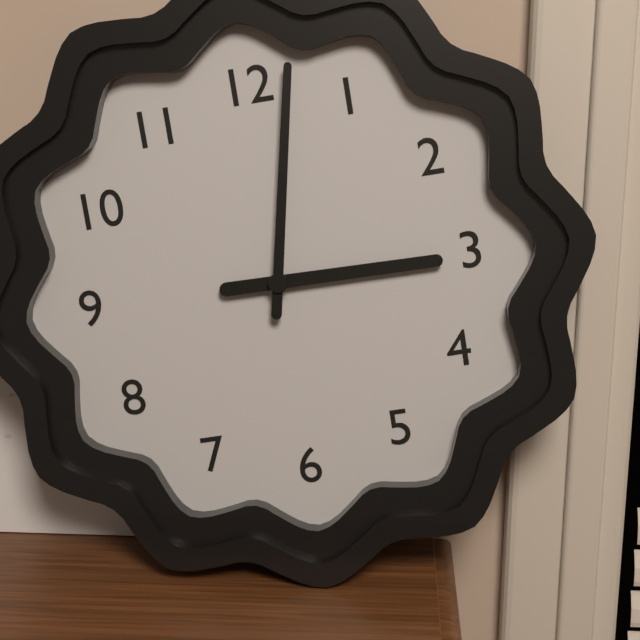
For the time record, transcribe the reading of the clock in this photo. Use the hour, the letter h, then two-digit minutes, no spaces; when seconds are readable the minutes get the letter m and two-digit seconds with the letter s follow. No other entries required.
3h02
